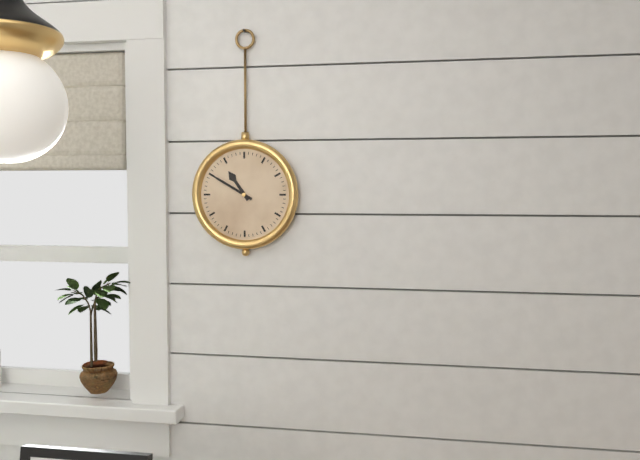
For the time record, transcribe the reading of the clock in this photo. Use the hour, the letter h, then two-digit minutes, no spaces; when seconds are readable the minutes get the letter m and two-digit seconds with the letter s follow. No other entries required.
10h50
